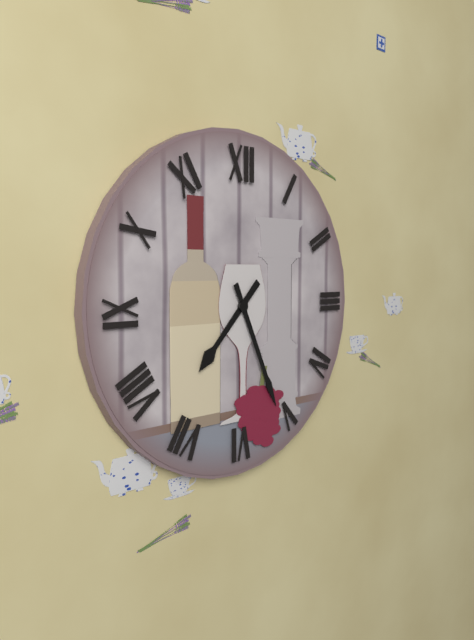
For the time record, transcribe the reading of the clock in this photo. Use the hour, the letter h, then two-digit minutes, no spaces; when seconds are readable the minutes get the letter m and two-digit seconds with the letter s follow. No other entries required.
7h26
